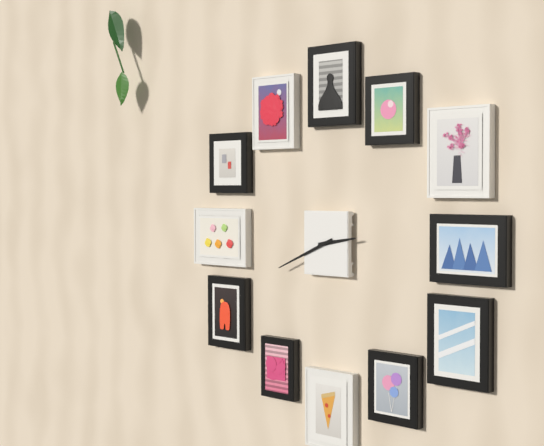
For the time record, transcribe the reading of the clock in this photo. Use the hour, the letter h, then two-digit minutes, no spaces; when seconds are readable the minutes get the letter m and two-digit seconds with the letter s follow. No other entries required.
2h41
